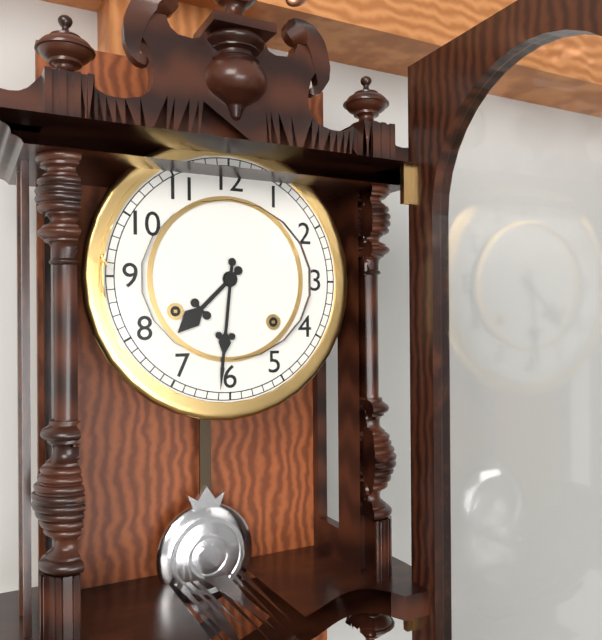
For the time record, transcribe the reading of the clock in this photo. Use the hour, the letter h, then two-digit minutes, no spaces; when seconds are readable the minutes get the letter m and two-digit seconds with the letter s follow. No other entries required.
7h31
